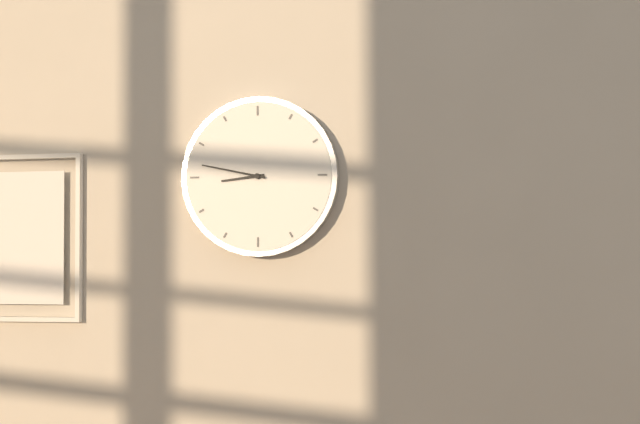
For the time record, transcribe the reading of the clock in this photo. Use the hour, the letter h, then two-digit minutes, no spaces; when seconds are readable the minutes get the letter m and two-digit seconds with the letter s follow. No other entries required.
8h47
